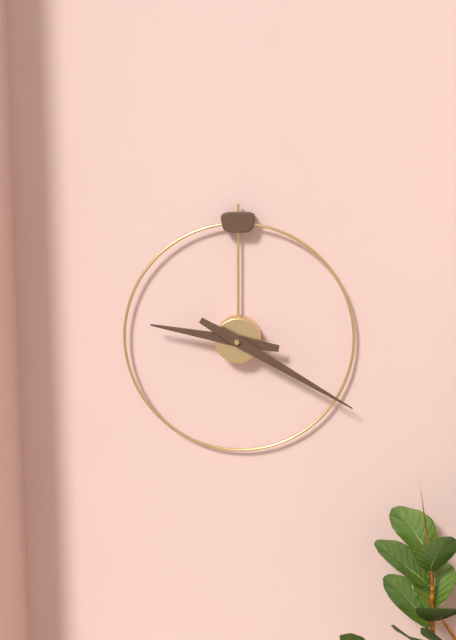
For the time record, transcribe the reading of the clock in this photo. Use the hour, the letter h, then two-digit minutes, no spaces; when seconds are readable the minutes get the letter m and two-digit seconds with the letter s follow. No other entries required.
9h20
